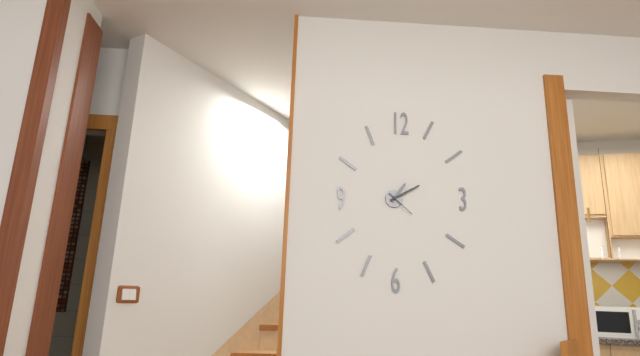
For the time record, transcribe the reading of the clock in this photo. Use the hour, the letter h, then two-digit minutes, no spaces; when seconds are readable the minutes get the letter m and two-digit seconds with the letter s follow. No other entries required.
1h10
